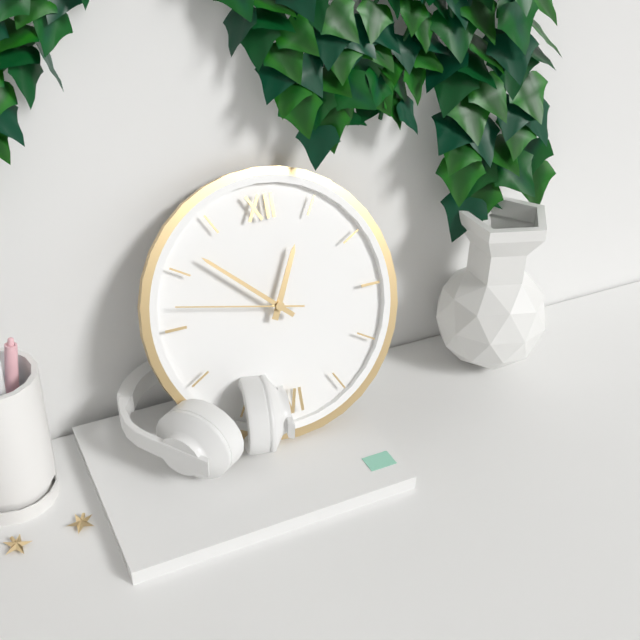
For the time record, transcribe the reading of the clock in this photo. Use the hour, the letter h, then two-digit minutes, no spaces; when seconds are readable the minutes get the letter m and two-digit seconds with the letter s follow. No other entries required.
12h52m47s
